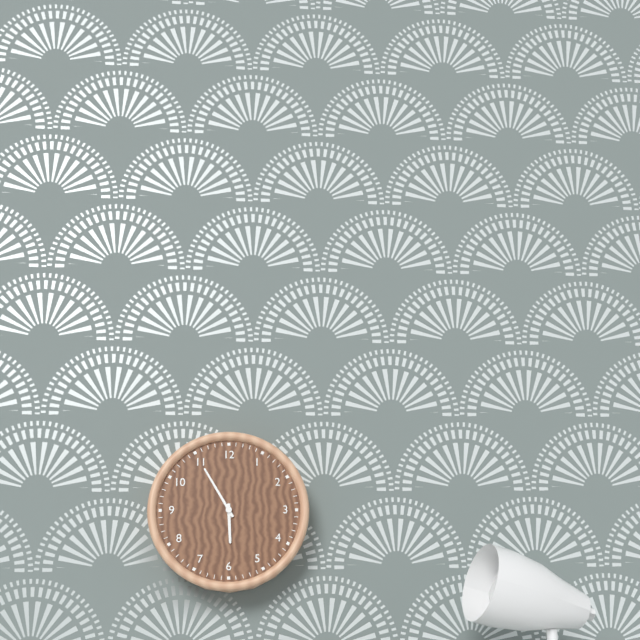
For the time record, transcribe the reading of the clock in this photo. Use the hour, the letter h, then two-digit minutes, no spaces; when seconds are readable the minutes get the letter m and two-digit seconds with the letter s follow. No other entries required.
5h55
